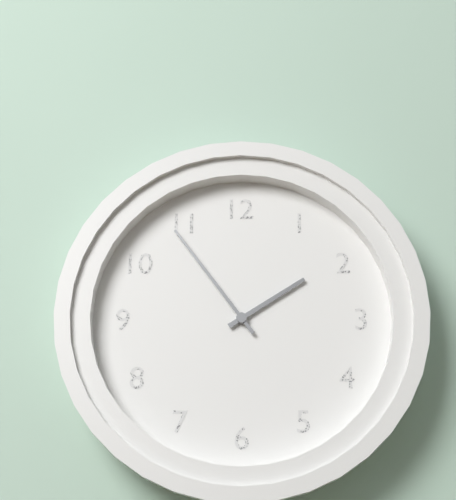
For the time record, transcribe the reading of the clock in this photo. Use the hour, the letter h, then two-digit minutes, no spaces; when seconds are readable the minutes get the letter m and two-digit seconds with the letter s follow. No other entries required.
1h54
